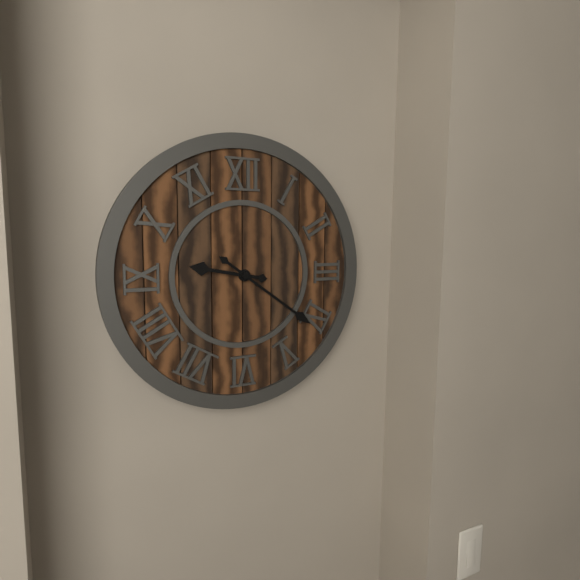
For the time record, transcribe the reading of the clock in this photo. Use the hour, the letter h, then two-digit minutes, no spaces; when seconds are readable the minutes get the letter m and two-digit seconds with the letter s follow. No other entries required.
9h21
